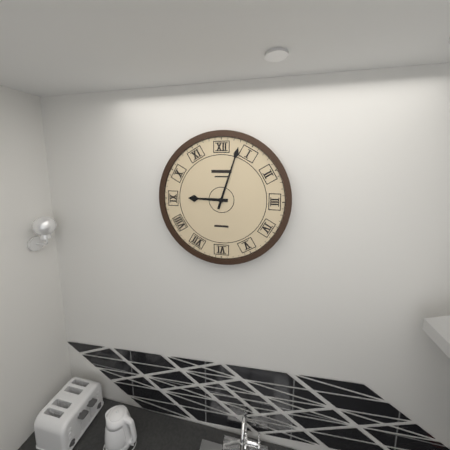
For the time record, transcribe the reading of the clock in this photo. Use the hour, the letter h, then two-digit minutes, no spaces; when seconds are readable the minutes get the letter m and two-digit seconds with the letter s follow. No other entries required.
9h03
